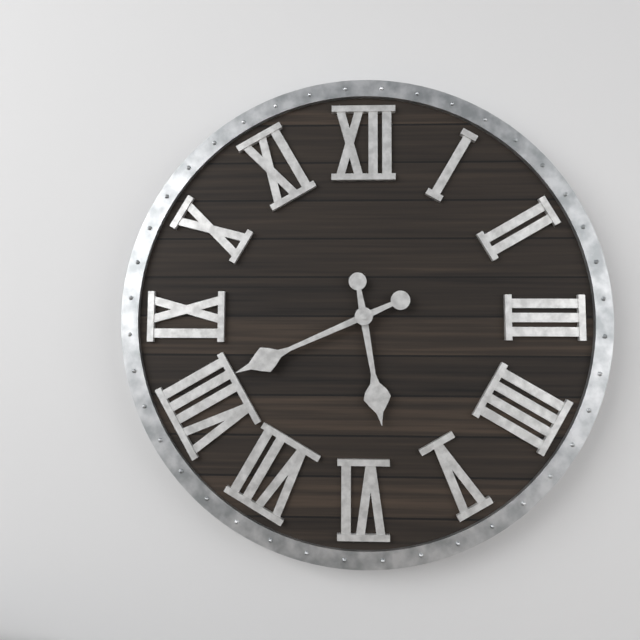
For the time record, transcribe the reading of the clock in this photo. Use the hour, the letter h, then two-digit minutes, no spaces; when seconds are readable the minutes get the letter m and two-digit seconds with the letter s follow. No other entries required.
5h41
